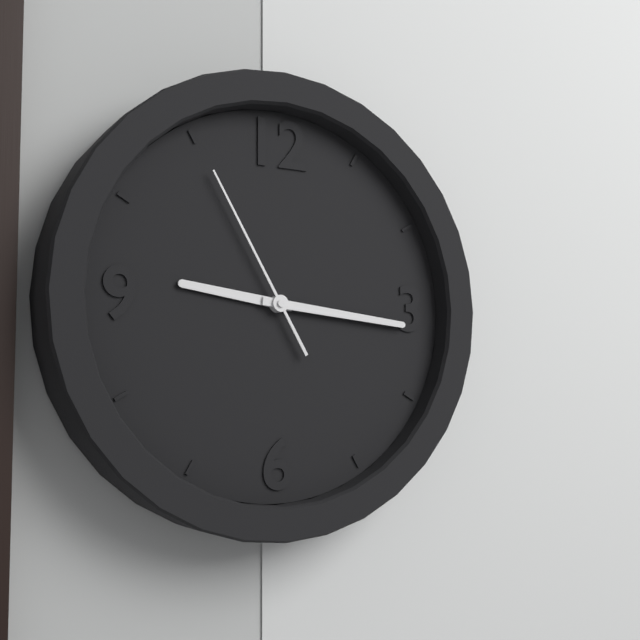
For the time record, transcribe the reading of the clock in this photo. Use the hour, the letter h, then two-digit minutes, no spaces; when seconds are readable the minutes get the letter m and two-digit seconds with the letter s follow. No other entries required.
9h16m55s
